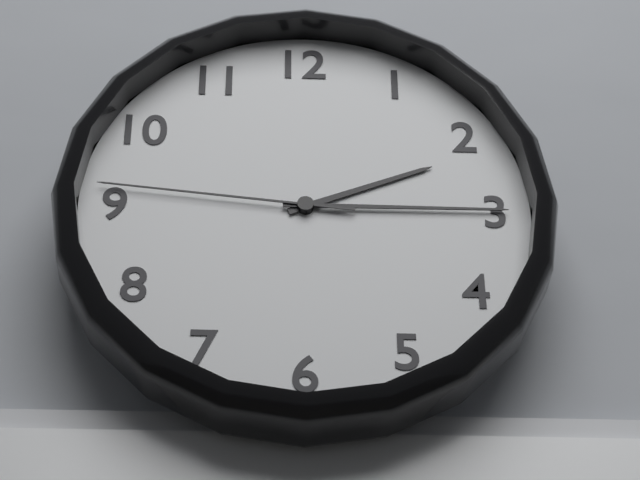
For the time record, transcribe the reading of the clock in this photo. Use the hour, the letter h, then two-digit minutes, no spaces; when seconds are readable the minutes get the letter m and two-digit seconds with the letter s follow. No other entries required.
2h15m46s
